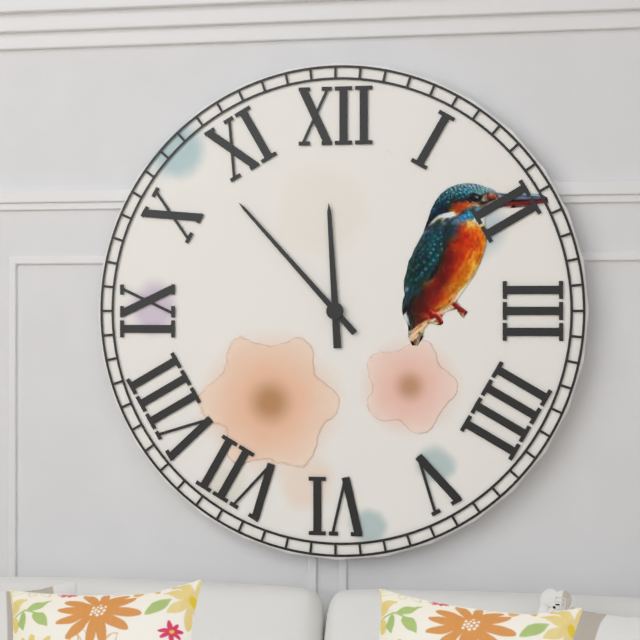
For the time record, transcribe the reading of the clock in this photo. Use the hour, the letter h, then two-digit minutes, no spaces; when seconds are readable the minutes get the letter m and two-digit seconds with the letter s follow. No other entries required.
11h53
